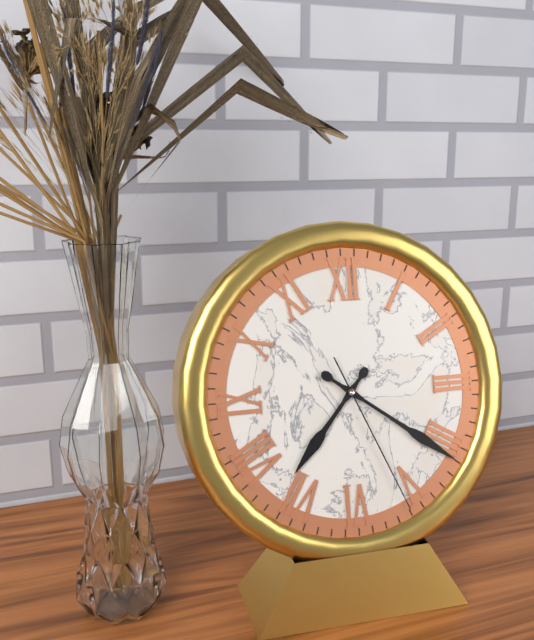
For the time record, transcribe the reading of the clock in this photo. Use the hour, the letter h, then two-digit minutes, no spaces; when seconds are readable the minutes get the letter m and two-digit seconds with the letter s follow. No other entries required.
7h21m26s
